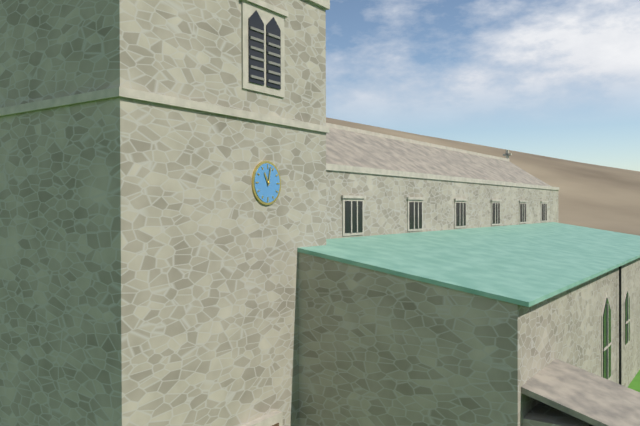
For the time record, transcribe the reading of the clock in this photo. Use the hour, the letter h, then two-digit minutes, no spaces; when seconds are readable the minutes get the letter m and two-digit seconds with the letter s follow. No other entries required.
11h02
